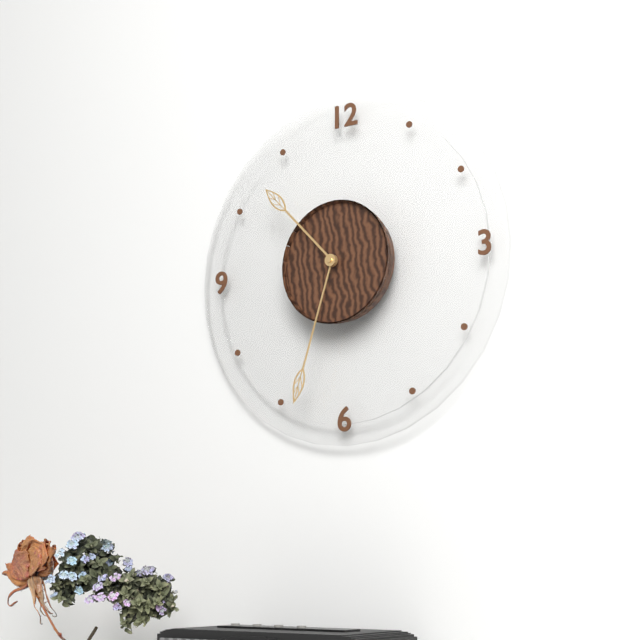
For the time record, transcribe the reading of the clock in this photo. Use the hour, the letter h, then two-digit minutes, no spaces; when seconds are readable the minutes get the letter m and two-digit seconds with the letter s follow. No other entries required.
10h33
